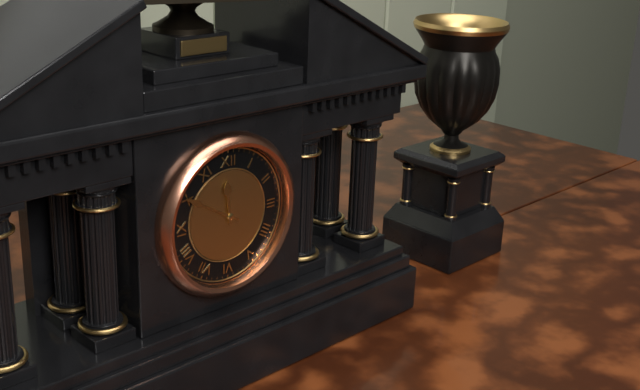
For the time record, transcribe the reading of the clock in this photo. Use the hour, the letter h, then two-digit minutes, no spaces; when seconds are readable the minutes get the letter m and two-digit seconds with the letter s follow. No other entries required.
11h50
